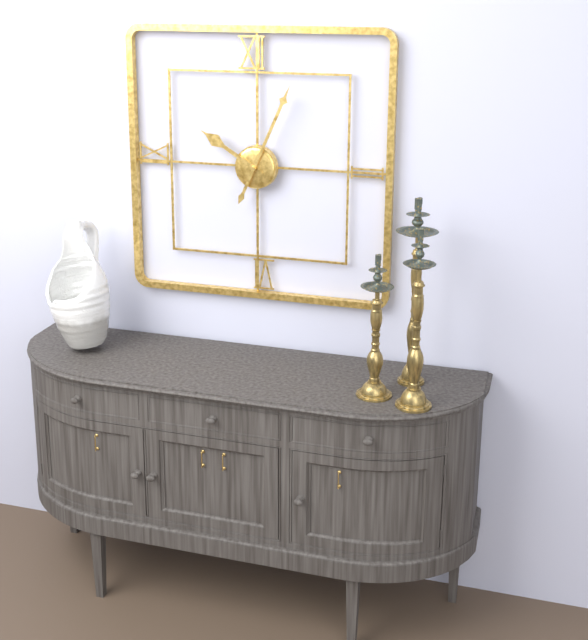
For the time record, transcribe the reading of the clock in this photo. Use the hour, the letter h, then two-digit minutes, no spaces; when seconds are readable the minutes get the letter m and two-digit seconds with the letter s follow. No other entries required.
10h04
